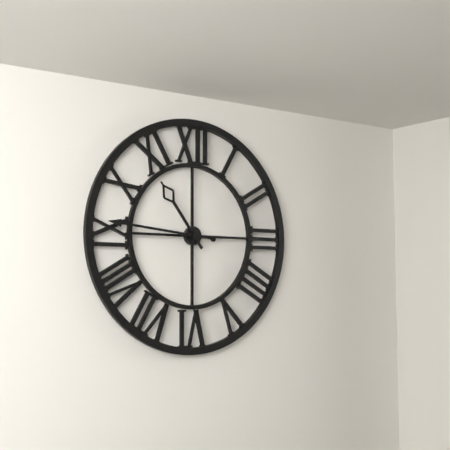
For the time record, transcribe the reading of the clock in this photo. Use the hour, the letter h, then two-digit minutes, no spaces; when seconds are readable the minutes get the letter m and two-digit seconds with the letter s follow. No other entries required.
10h46
